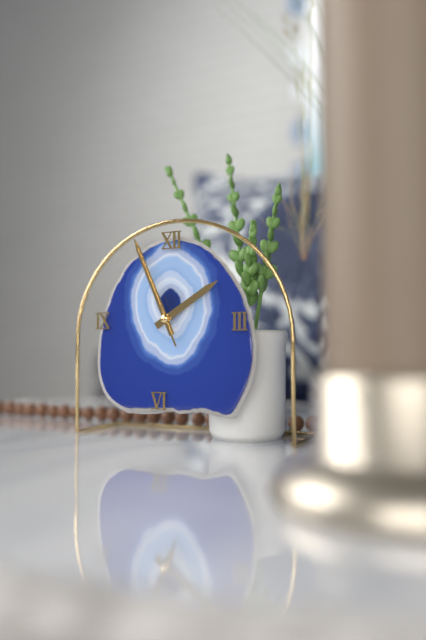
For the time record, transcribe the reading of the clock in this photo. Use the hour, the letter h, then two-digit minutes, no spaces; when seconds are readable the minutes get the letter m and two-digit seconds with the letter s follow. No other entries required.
1h56m56s
